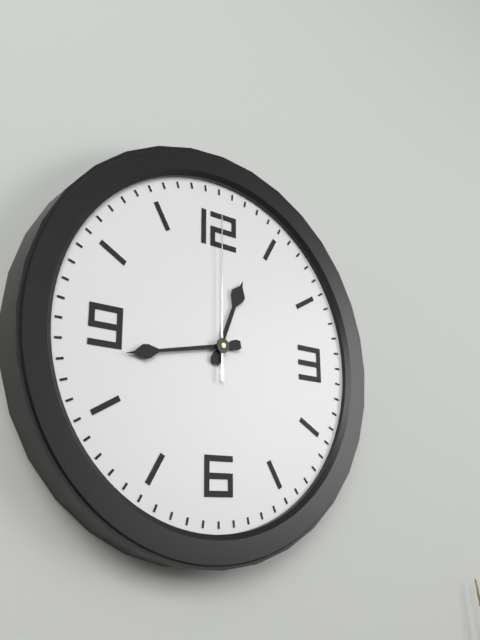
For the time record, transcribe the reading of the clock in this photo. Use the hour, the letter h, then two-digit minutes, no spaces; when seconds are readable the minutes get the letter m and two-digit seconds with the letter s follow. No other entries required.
12h43m00s
